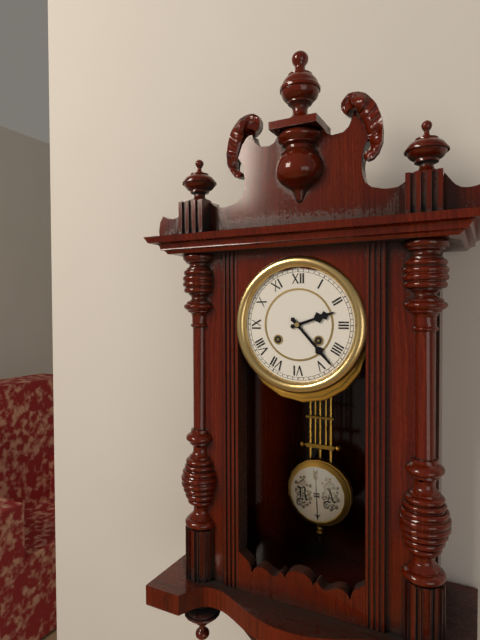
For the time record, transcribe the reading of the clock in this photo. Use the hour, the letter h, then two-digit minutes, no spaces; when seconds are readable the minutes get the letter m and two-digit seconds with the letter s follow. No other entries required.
2h23
